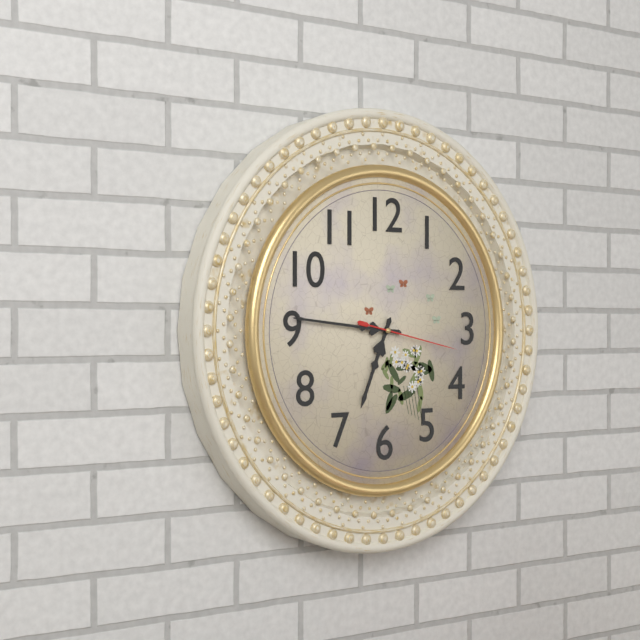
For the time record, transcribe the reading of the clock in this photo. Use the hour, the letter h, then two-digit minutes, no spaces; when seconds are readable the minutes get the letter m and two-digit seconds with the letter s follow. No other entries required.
6h46m17s
